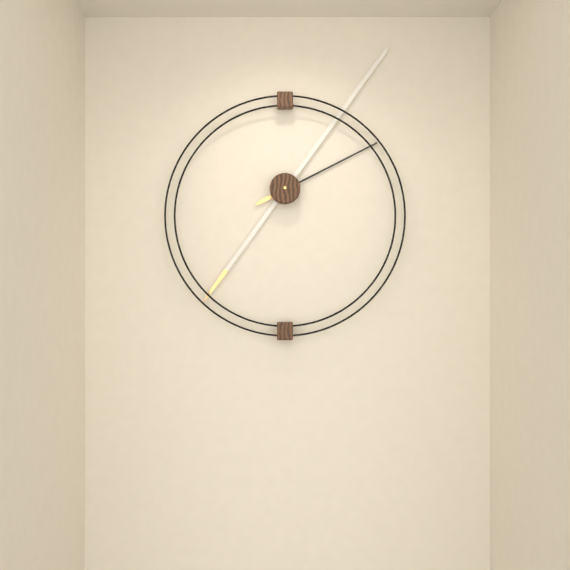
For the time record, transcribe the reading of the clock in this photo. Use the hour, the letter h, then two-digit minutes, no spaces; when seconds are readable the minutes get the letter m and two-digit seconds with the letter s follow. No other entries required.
2h06
